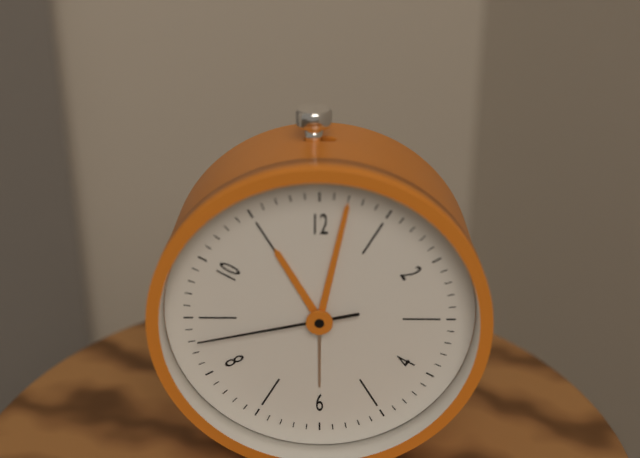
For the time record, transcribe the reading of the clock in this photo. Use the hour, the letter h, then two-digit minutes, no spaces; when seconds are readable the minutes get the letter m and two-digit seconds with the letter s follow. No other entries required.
11h02m43s
